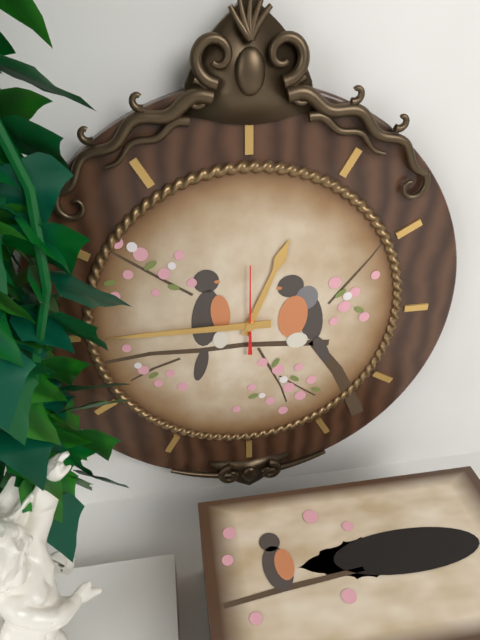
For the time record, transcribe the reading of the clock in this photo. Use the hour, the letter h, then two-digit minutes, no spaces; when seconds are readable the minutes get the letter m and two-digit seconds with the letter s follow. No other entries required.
12h45m00s
